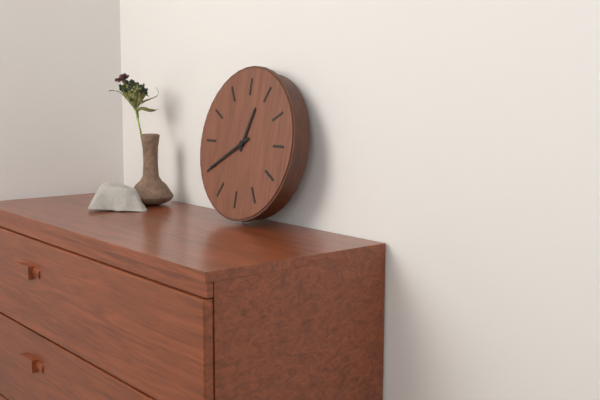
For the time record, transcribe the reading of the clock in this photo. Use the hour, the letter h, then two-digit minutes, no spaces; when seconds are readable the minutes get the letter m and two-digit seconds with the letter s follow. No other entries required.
12h40
